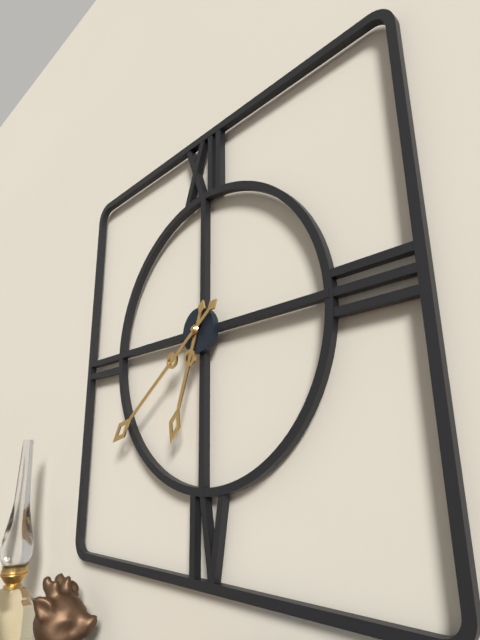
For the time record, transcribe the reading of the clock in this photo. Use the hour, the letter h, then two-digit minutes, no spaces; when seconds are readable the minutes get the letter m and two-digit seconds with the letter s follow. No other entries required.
6h39
